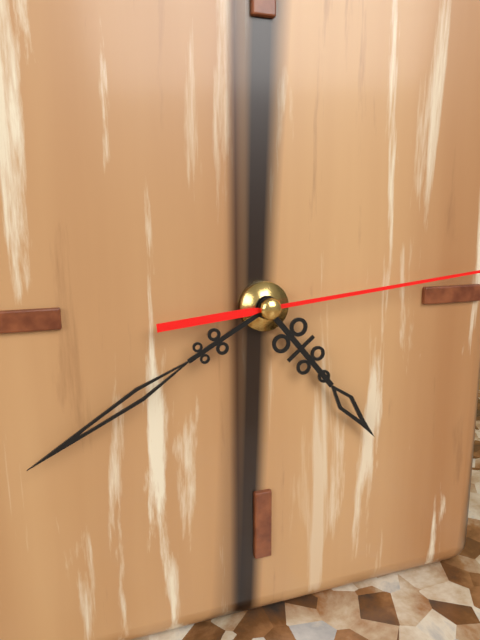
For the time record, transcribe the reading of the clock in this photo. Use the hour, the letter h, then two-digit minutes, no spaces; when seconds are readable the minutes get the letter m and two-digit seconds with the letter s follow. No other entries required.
4h40
